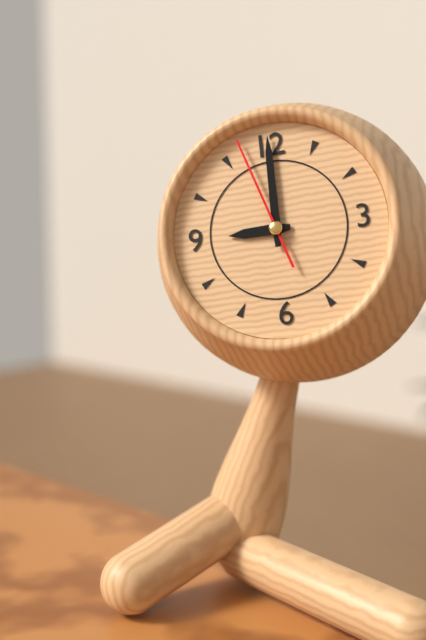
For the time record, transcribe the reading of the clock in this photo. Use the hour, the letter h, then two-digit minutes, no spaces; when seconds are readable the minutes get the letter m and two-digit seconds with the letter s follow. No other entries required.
9h00m57s
